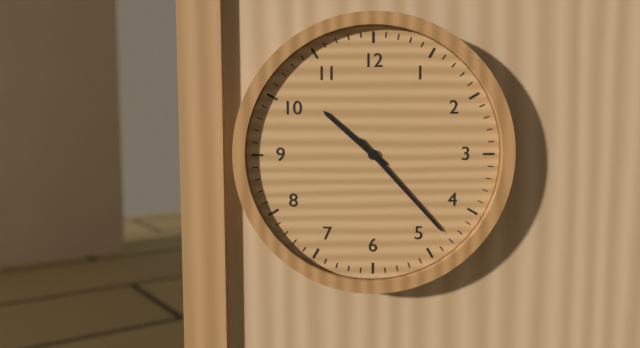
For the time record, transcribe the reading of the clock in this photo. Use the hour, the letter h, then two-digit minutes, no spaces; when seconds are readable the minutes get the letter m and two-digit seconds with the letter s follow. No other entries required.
10h23
